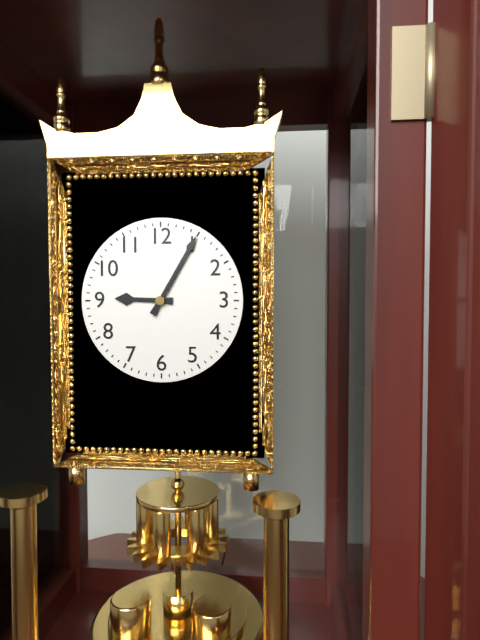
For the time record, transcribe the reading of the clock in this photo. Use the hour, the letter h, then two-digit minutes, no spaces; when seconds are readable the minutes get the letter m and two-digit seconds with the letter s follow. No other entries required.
9h05
